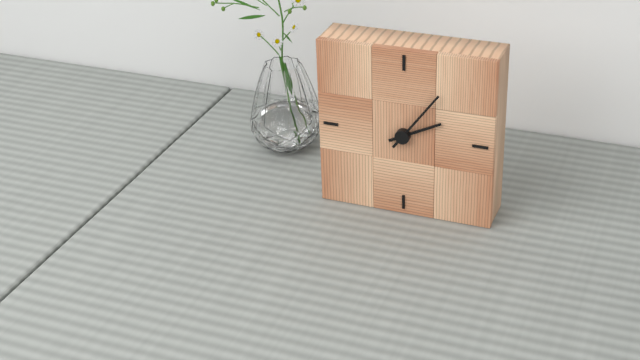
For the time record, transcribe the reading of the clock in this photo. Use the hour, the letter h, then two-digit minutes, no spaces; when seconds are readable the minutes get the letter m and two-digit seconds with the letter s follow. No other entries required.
2h06
